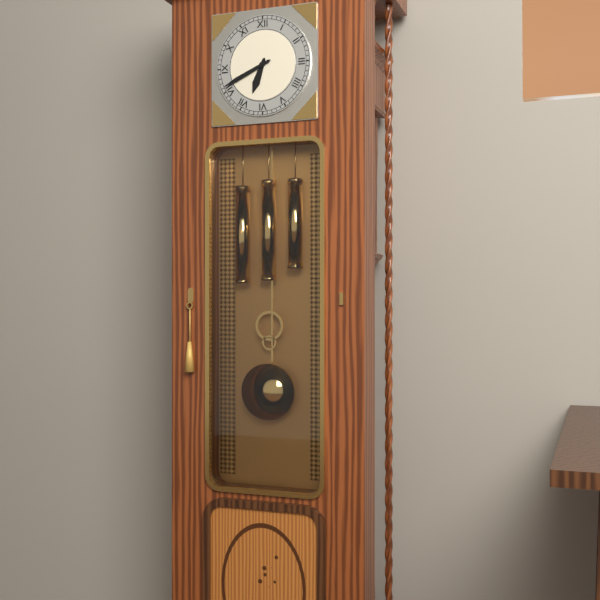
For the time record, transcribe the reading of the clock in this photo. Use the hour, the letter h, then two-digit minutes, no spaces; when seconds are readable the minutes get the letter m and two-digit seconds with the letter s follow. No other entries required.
6h41
